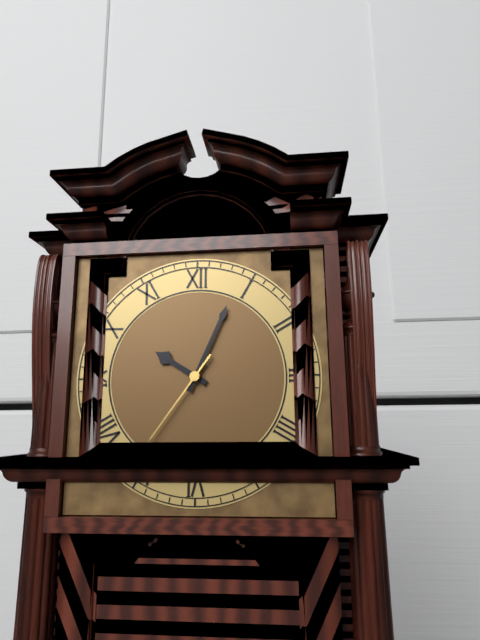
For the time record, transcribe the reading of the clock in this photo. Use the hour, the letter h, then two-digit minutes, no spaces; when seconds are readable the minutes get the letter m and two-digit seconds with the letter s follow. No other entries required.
10h04m36s
